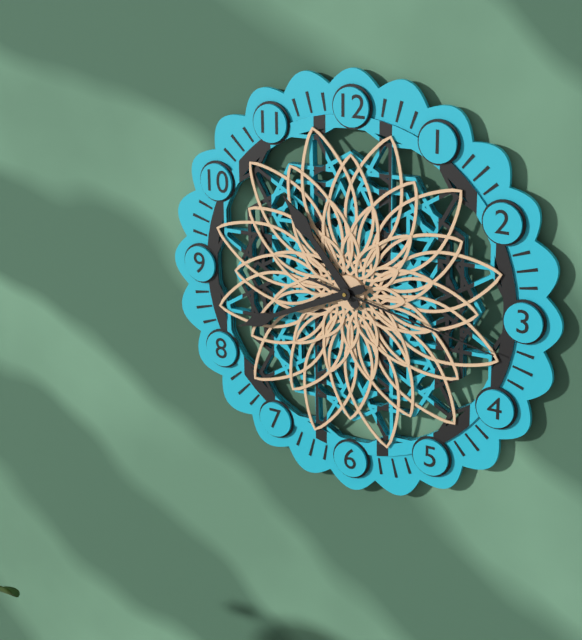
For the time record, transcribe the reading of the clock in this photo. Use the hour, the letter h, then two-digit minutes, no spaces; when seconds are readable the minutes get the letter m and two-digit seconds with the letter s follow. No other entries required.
10h41m17s
